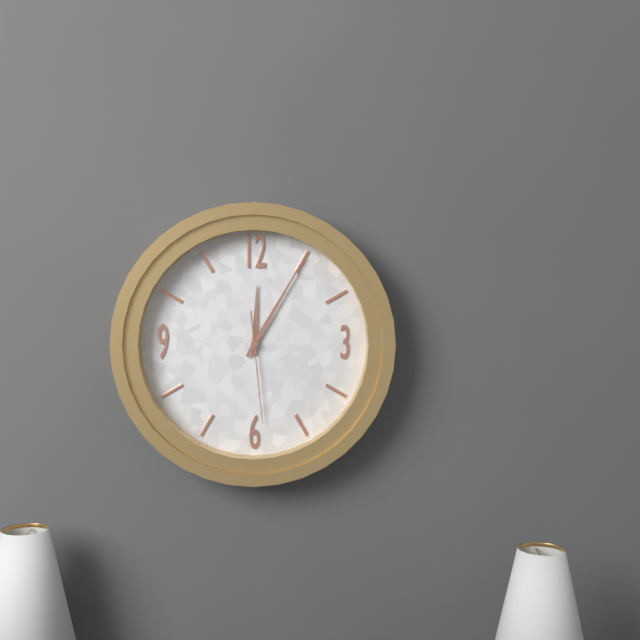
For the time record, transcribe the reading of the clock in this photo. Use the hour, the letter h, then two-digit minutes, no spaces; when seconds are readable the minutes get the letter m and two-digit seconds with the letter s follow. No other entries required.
12h05m29s
